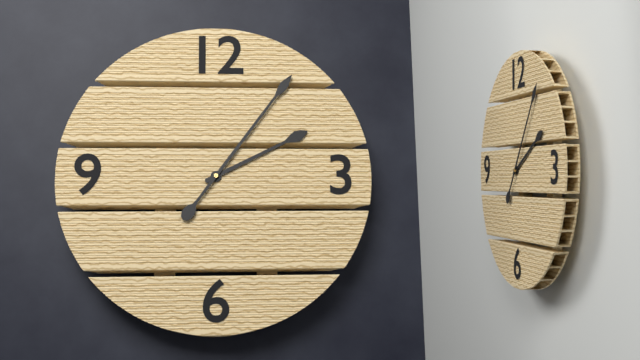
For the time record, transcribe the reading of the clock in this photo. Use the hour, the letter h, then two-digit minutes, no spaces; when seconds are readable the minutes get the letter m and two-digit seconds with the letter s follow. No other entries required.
2h06
